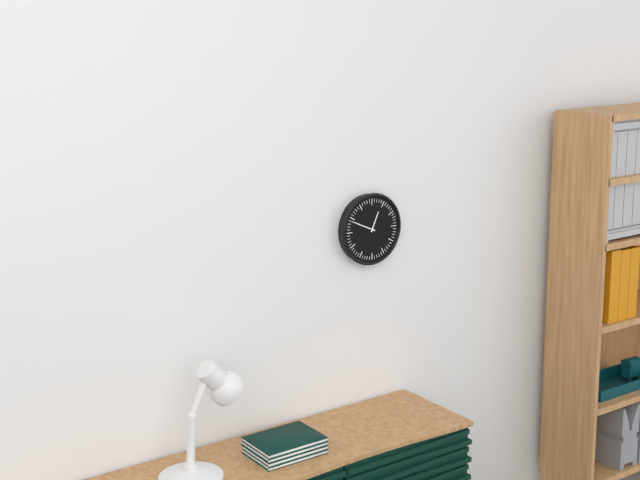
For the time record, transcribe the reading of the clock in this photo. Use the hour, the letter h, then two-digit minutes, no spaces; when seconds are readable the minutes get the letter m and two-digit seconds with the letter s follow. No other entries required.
12h49
